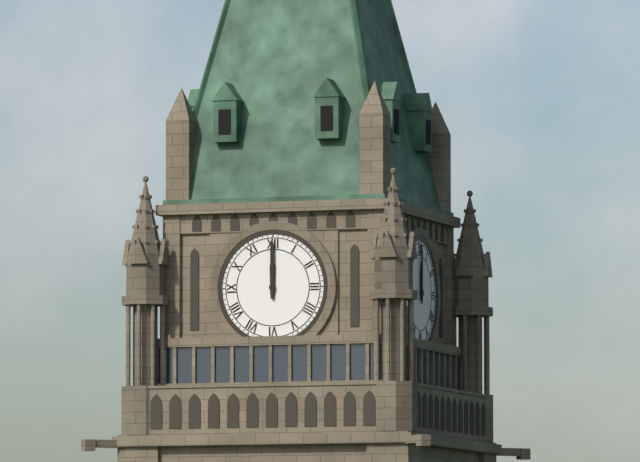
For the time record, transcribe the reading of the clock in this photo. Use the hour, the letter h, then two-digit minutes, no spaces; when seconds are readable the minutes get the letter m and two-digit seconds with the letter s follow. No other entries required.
12h00
